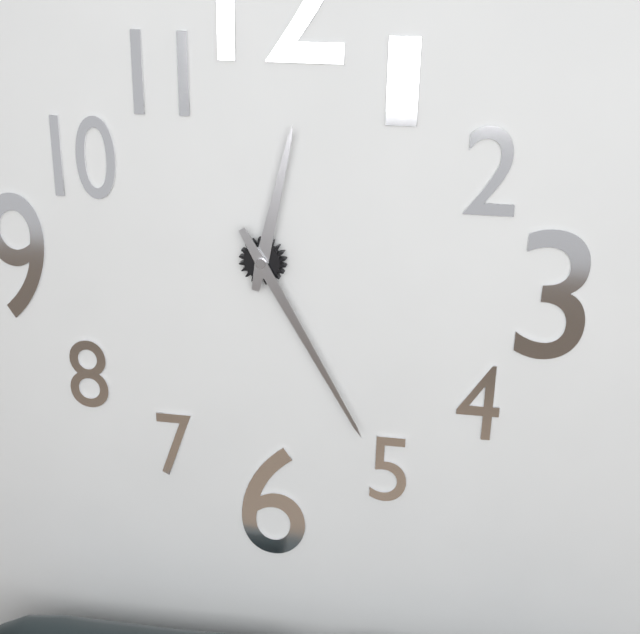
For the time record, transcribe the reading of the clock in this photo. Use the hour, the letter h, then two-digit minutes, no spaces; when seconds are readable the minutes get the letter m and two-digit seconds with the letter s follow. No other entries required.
12h25
